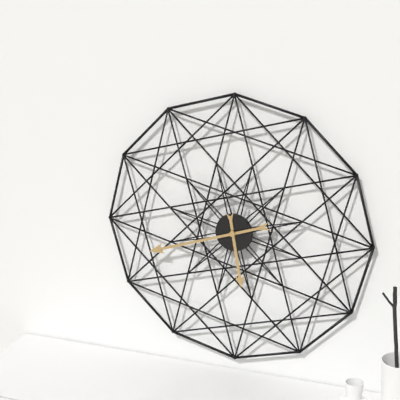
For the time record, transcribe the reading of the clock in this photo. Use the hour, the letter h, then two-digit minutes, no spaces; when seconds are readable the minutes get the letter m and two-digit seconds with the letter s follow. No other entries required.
5h42
